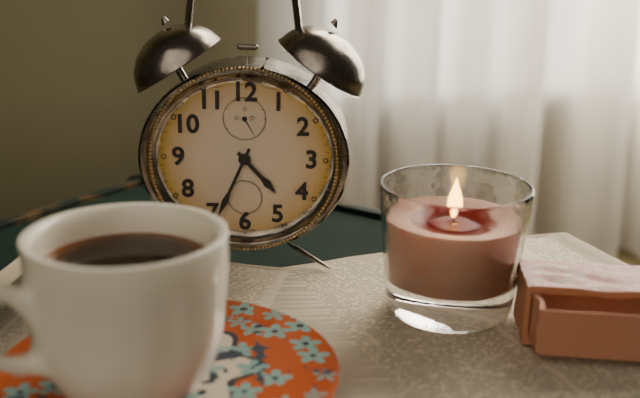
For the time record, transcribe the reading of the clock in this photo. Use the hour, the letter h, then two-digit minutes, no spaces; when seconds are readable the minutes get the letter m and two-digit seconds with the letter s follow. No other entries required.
4h34
